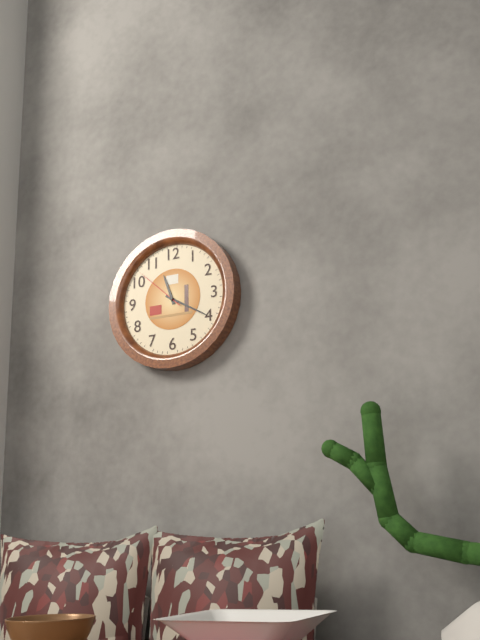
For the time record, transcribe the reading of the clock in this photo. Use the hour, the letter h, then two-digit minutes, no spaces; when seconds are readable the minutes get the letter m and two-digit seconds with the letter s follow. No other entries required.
11h20m52s
